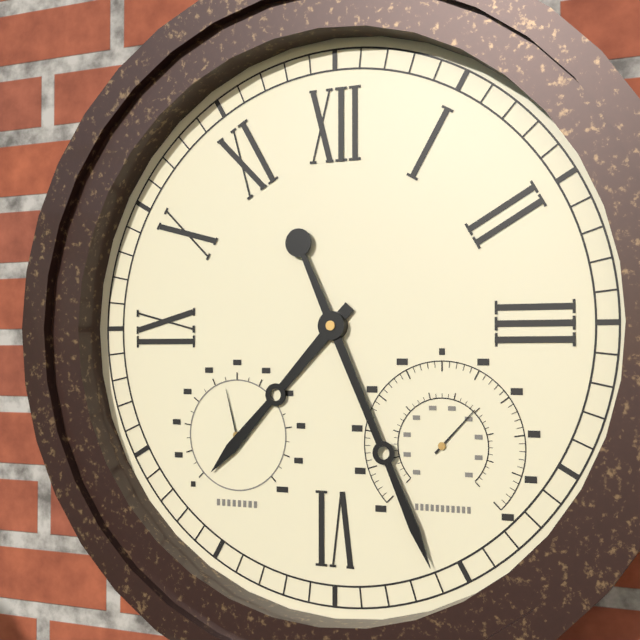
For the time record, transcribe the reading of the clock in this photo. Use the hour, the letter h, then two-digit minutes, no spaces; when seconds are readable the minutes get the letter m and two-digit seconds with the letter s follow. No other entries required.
7h26
